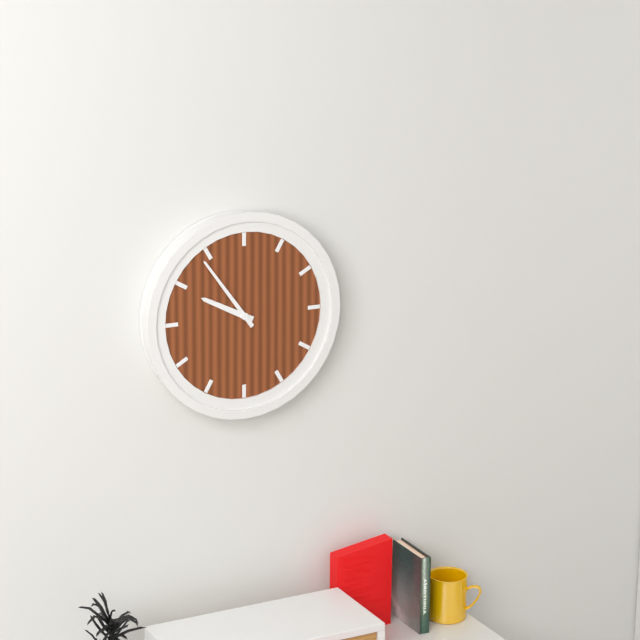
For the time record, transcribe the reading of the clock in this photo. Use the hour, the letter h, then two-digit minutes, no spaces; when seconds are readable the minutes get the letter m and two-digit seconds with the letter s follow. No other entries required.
9h54
